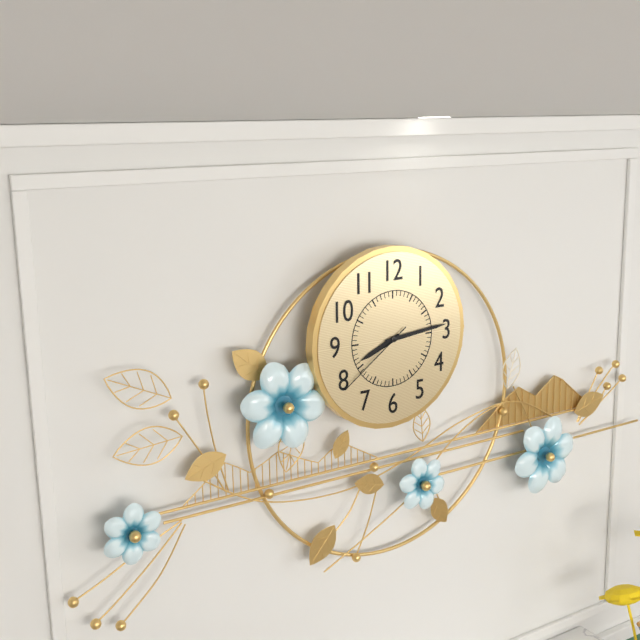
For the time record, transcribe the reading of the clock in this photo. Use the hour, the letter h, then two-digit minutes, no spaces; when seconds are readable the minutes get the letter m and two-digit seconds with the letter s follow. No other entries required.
8h14m39s
